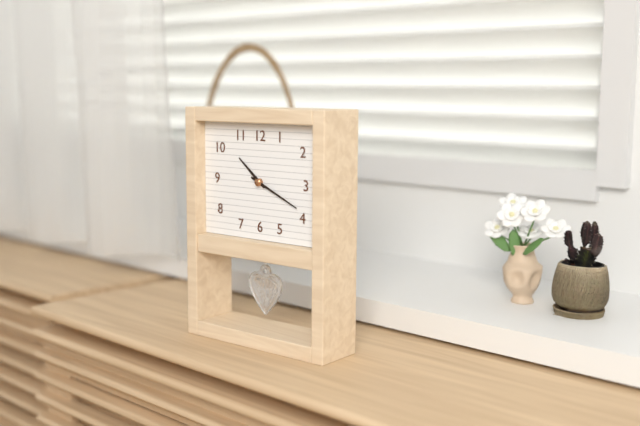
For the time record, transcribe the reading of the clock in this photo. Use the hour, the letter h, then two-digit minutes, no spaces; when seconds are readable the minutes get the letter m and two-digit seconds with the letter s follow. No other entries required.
10h19
